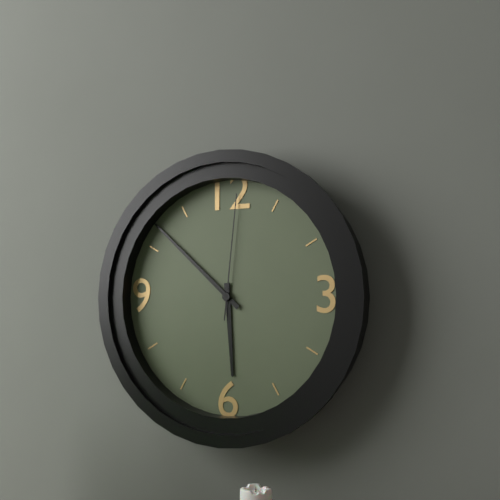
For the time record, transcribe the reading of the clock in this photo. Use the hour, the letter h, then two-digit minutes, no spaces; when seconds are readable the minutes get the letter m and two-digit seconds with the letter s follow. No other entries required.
5h52m01s
